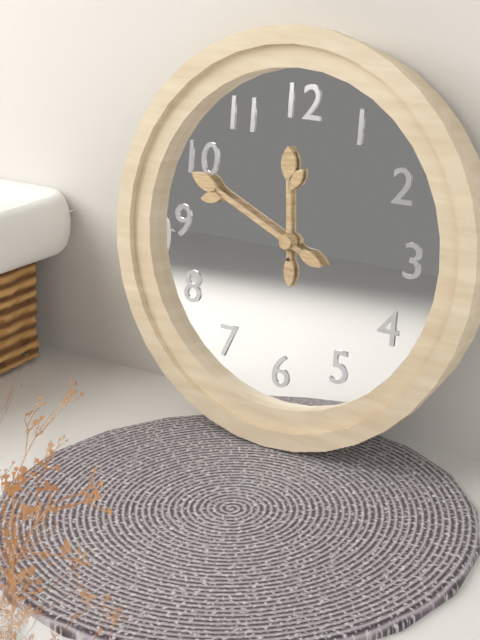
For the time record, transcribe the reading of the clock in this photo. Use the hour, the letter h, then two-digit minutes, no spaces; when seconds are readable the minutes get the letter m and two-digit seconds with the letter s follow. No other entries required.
11h49
